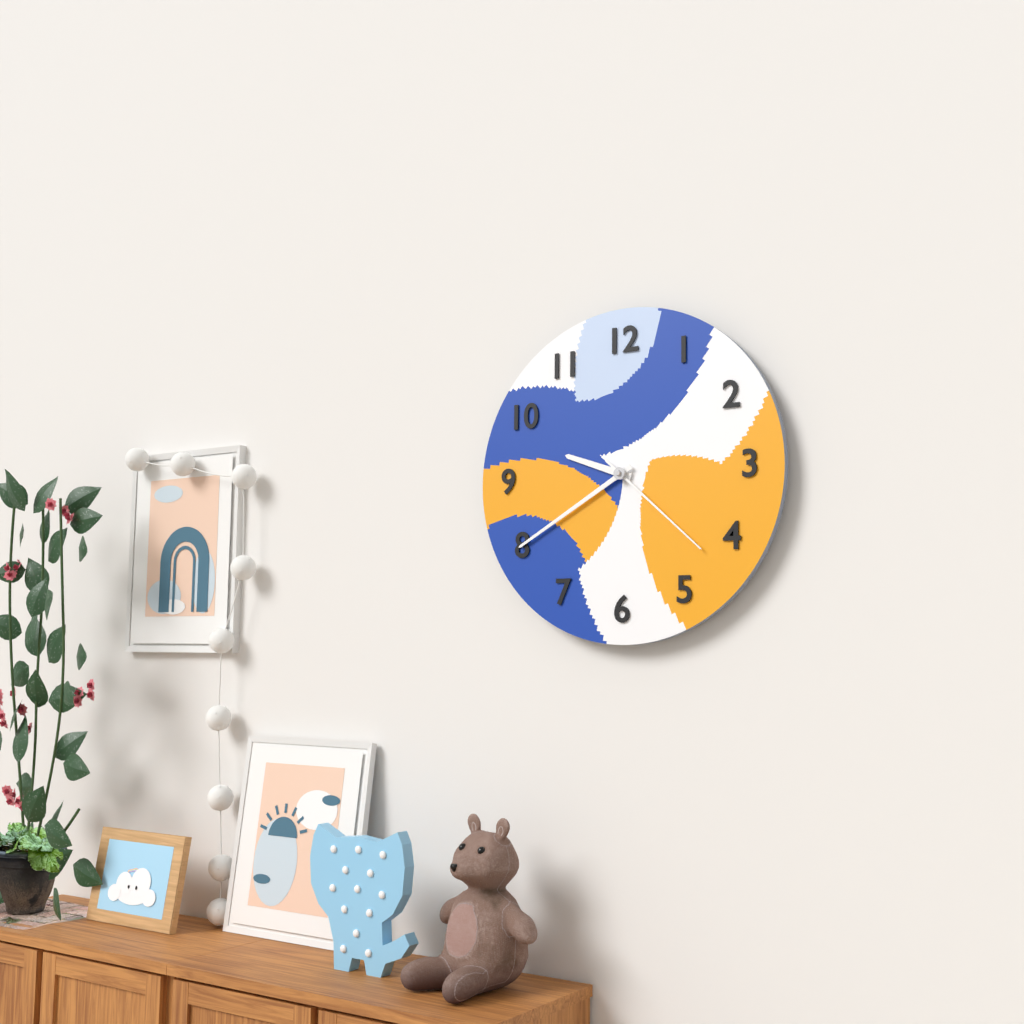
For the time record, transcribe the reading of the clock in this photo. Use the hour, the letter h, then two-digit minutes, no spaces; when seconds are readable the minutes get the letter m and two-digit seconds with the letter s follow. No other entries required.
9h40m22s
